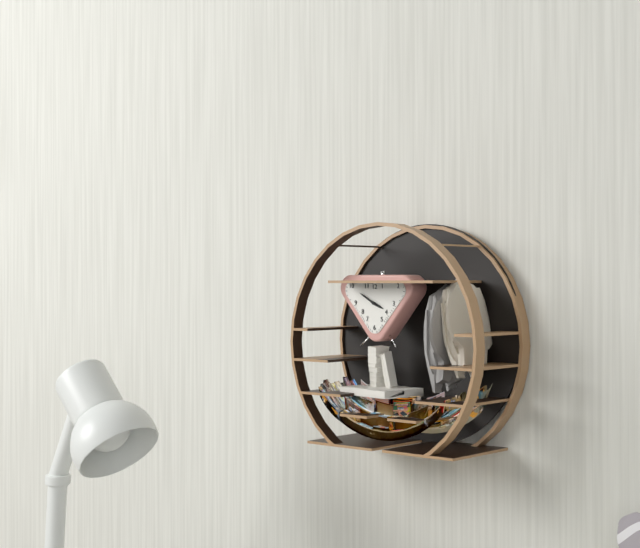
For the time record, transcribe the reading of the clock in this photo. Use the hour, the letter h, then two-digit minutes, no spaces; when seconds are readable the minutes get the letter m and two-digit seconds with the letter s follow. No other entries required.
3h50
